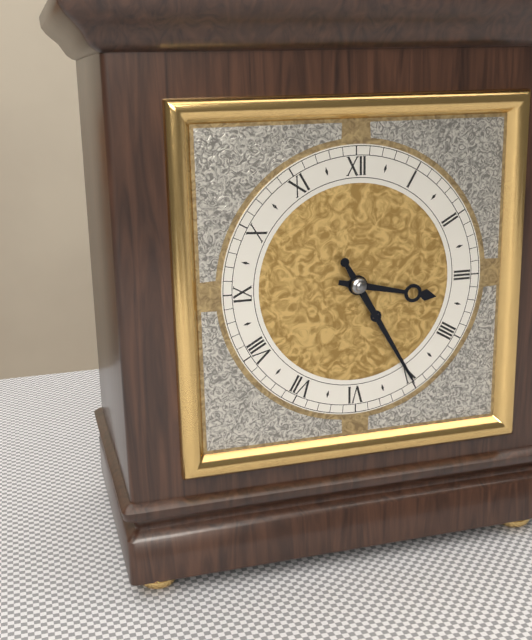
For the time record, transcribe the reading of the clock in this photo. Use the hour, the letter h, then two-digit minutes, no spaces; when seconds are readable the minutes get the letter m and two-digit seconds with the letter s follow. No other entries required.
3h25
